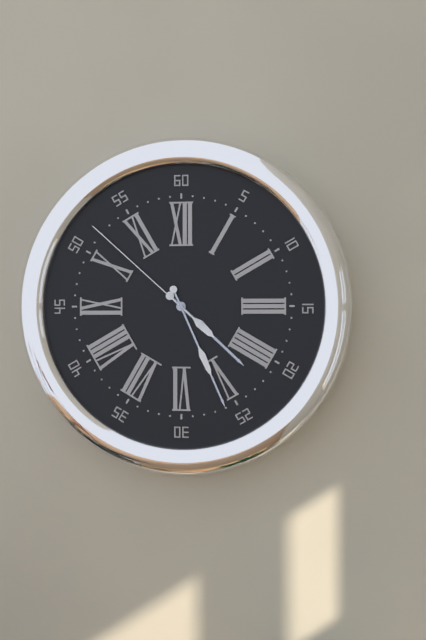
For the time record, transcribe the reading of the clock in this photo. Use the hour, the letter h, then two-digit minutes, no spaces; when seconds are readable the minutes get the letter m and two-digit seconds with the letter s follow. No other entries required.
4h26m52s
